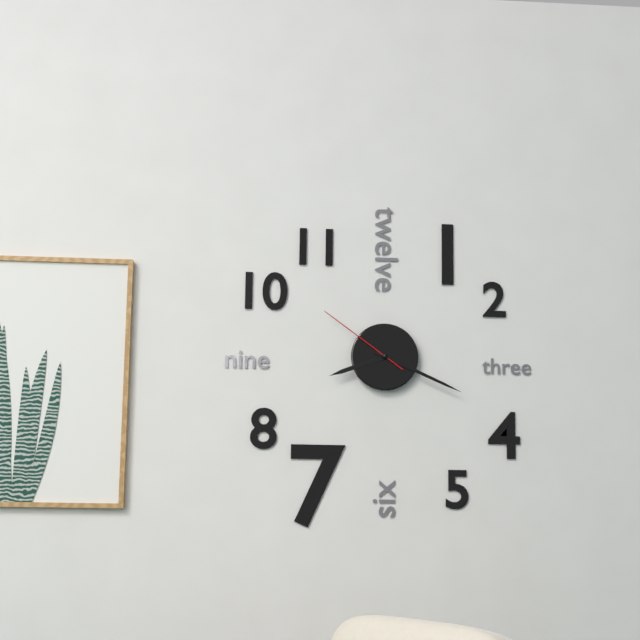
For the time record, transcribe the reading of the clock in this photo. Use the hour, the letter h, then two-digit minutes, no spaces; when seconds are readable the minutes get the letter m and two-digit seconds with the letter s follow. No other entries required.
8h19m51s
